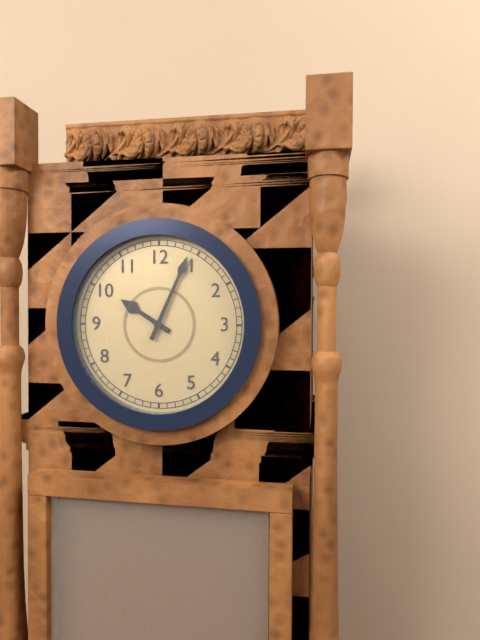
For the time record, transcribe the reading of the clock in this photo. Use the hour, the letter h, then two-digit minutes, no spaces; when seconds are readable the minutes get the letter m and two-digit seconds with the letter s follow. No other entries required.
10h04
